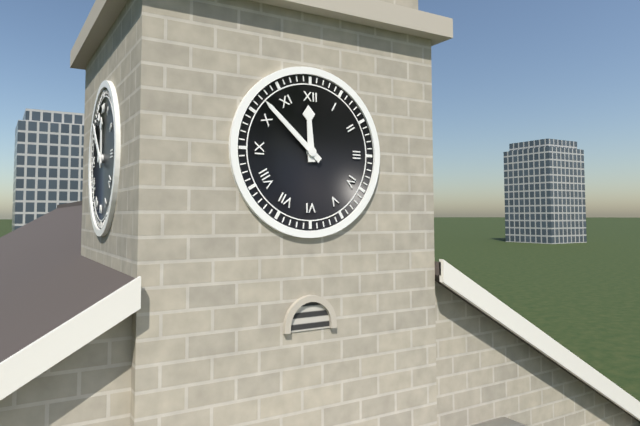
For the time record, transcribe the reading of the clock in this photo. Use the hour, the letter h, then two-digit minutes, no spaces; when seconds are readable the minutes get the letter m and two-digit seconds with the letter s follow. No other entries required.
11h52
